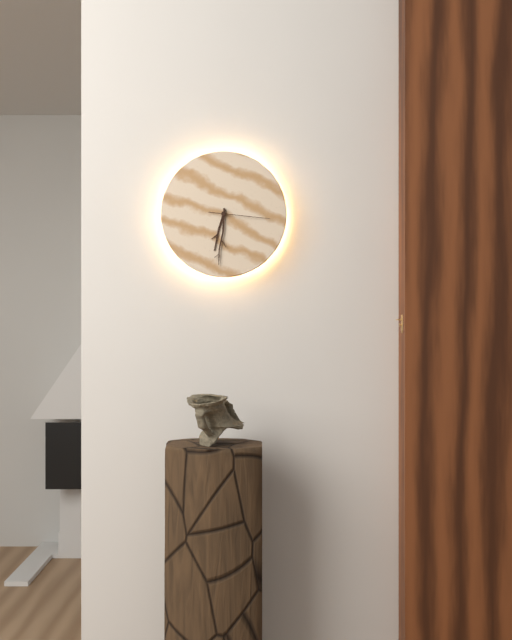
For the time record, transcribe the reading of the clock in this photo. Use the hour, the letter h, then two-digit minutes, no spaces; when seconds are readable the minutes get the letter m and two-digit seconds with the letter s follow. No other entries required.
6h31m16s
